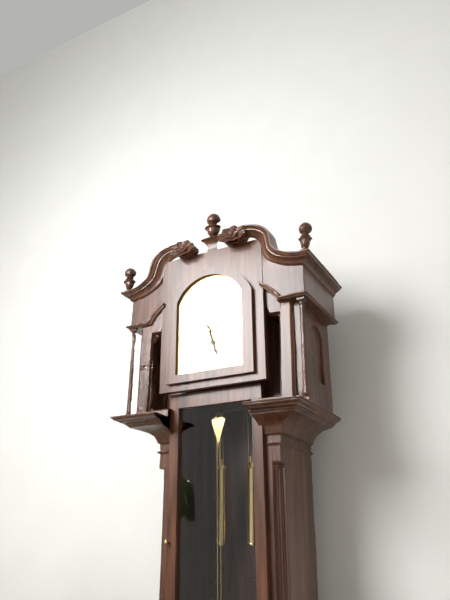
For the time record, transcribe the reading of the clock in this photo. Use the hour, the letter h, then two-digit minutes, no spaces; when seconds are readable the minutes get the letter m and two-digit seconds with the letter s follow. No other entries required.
5h27
